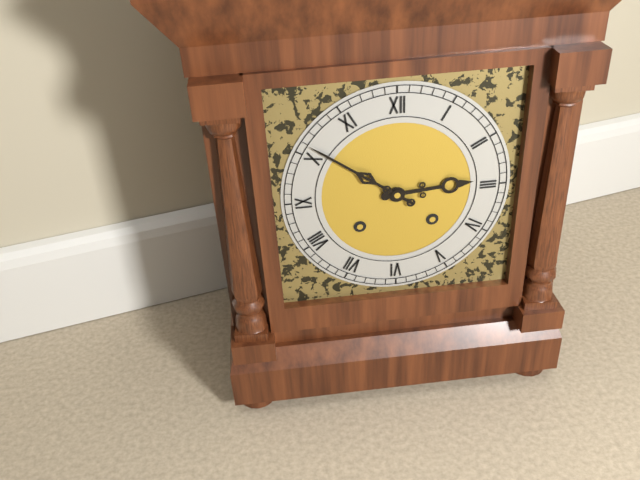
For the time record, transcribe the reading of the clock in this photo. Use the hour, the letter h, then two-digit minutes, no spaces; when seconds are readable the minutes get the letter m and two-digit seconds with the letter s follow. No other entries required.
2h51
